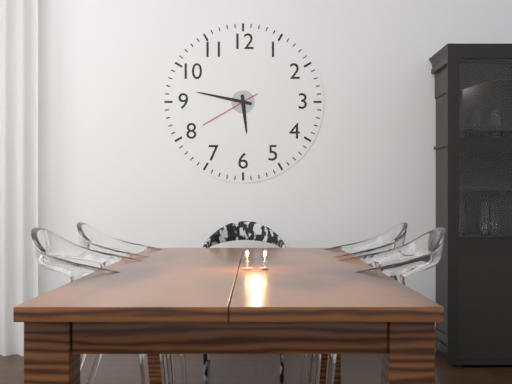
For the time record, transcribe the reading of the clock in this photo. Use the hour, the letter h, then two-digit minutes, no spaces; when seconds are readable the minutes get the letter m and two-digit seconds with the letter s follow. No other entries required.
5h47m40s
